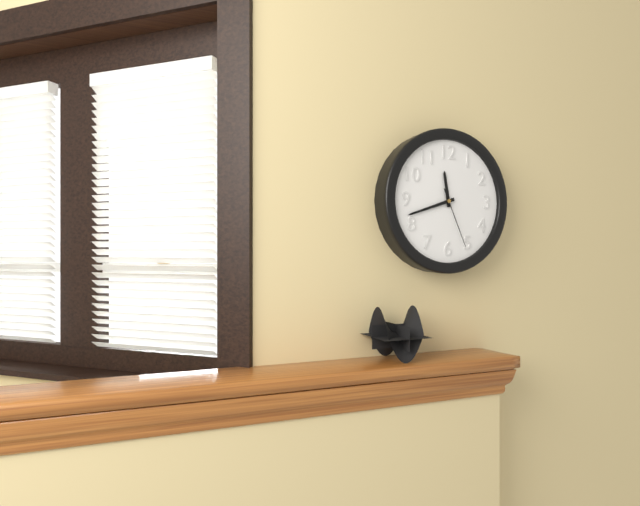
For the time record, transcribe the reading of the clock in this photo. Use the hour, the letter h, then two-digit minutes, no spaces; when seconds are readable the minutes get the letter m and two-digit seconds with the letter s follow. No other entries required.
11h42m26s
